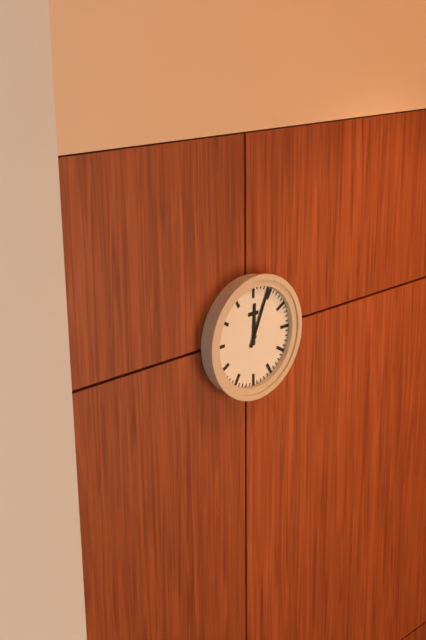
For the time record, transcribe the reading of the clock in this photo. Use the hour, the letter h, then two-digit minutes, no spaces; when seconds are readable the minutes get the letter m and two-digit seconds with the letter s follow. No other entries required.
12h04
